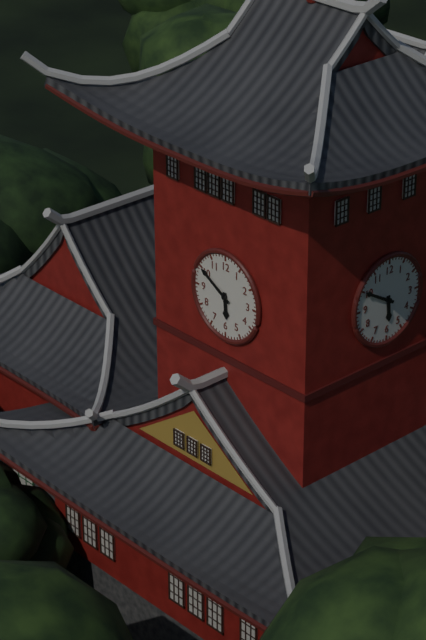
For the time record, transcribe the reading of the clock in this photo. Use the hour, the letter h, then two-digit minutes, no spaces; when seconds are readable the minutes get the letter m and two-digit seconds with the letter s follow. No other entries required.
5h50
